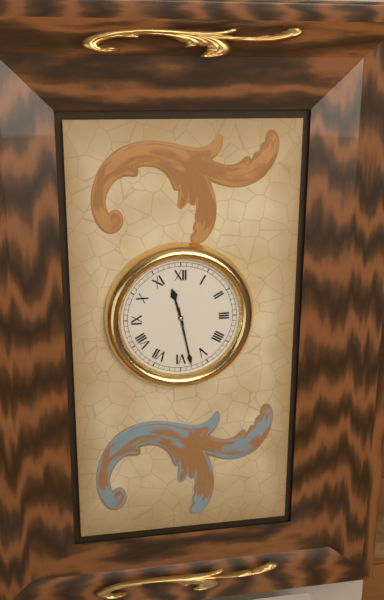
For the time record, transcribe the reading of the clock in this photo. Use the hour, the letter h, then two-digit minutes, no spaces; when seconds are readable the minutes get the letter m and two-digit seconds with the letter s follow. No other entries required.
11h28
